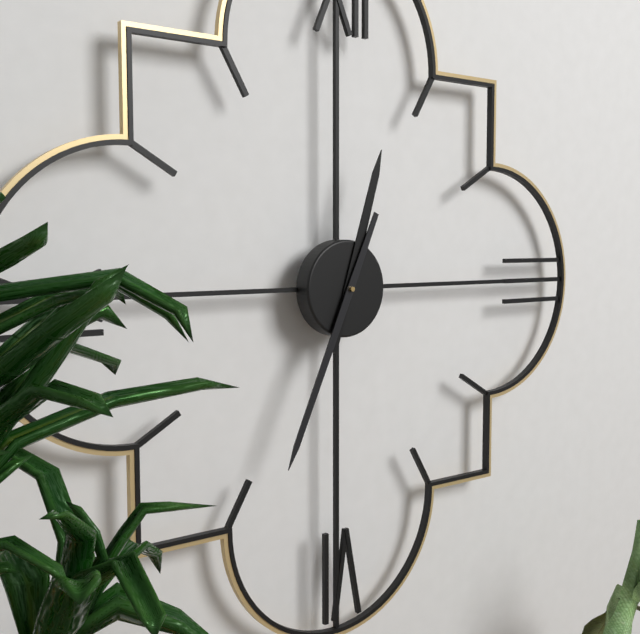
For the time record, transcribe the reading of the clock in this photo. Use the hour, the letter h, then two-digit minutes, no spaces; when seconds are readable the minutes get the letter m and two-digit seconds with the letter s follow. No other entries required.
12h34
